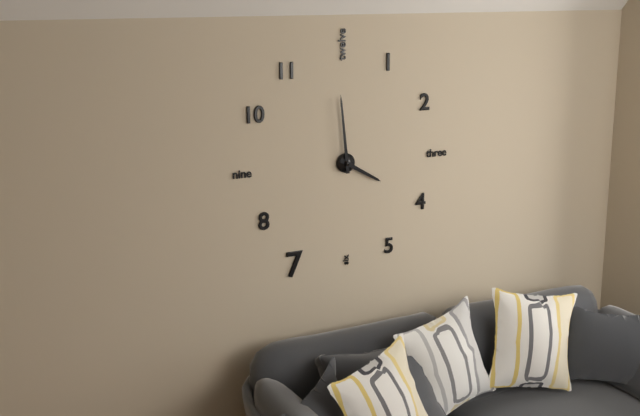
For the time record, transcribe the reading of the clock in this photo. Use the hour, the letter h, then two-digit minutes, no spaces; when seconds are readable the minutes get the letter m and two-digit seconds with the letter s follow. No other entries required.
3h59
